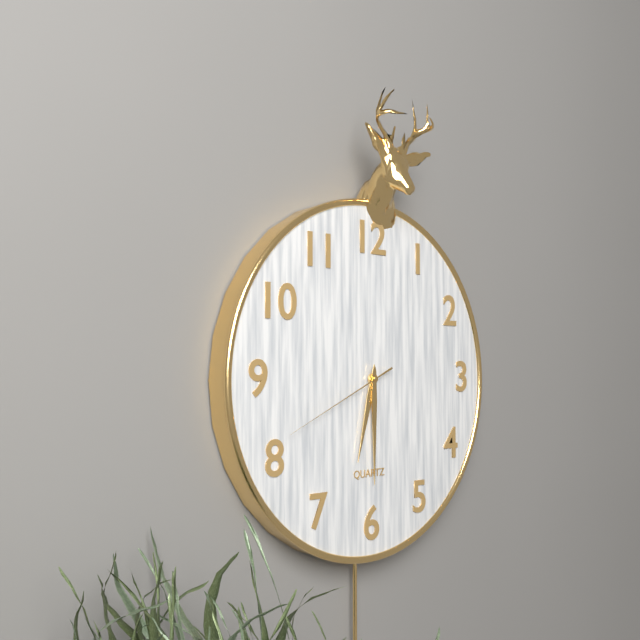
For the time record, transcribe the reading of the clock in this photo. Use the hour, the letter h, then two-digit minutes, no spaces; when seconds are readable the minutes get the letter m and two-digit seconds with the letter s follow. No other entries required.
6h30m41s
